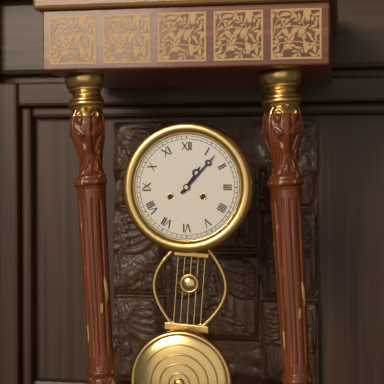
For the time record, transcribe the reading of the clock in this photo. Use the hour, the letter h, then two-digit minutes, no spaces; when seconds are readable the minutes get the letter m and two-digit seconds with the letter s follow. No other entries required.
1h07
